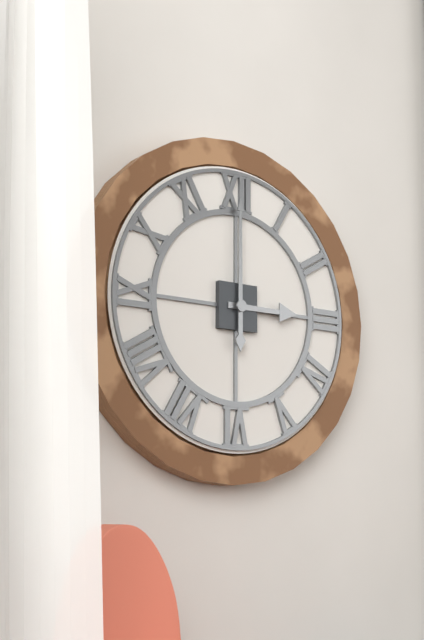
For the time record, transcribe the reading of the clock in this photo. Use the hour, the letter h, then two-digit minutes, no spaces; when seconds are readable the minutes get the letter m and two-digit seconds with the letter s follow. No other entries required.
3h00
